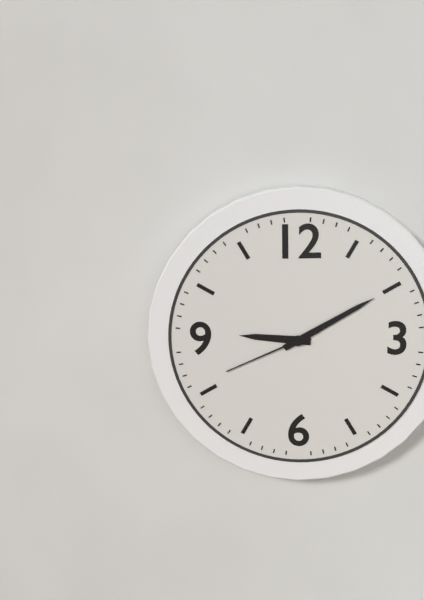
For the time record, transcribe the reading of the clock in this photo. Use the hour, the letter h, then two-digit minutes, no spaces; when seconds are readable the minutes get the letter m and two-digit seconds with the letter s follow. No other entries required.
9h10m41s
